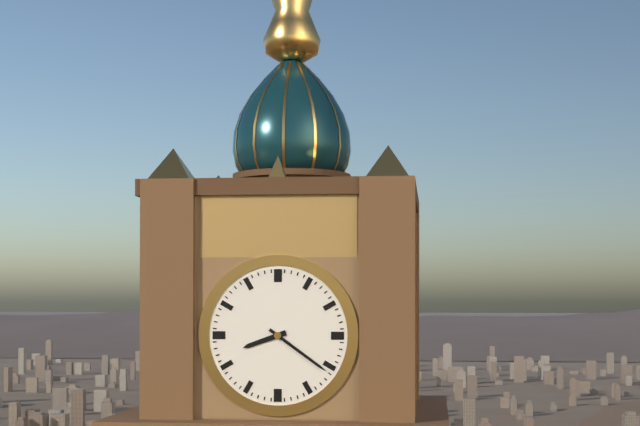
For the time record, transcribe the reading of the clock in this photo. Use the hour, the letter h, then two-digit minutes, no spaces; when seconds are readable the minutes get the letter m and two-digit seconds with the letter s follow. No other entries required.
8h21
